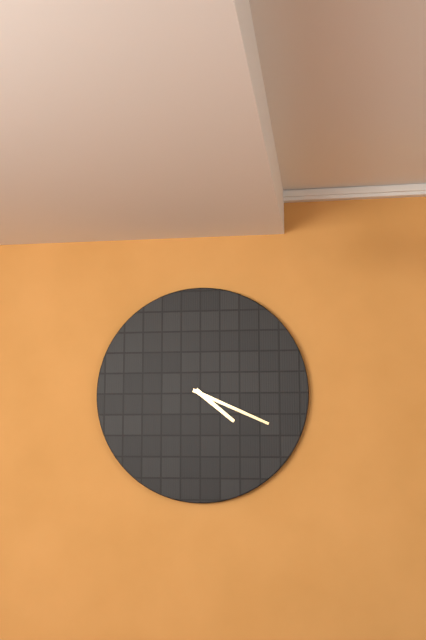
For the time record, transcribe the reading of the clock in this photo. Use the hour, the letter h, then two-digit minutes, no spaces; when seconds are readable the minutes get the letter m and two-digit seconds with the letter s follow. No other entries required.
4h19
